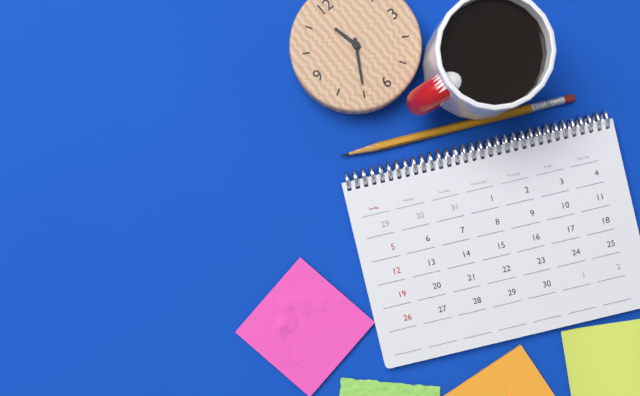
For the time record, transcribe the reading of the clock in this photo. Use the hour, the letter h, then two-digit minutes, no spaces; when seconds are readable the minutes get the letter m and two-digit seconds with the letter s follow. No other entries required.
11h35
